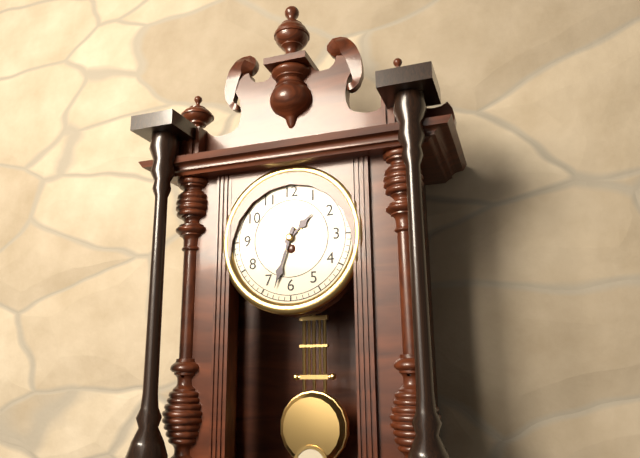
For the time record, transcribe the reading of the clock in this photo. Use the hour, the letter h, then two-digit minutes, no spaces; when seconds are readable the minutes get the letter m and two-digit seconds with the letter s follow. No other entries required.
1h33
